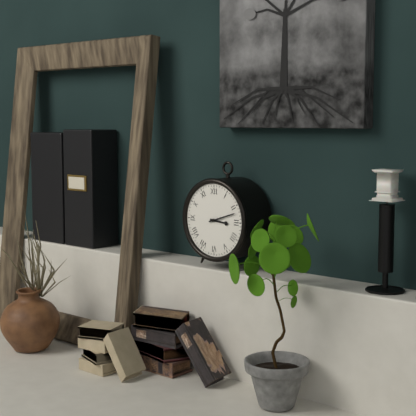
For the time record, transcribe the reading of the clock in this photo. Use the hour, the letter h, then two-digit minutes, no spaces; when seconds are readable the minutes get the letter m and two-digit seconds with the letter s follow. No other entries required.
3h12
